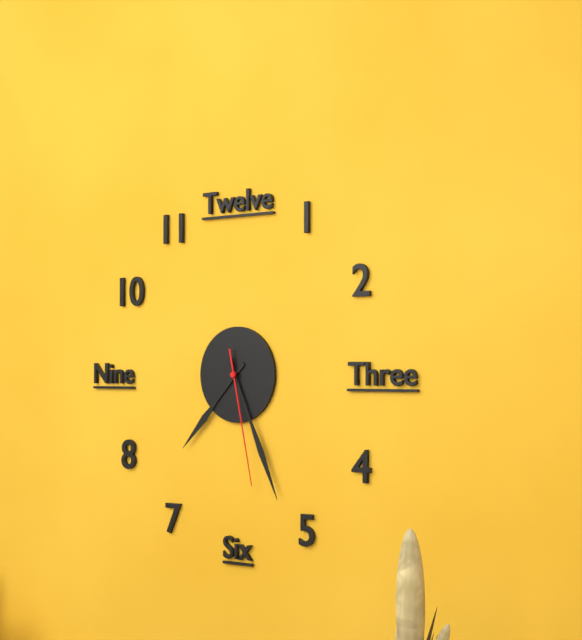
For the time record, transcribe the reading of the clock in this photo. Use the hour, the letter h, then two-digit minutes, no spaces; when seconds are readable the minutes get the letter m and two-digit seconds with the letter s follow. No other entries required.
7h26m28s
